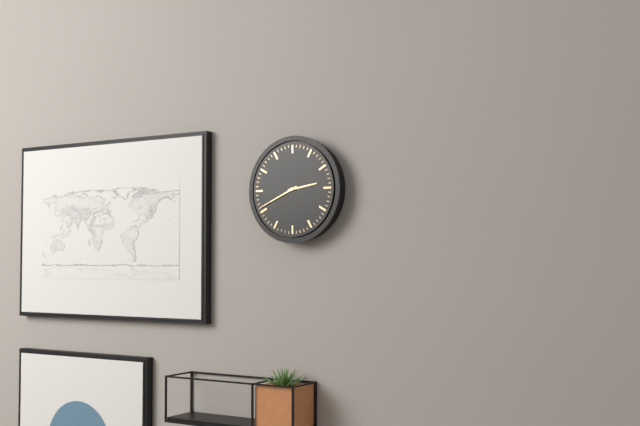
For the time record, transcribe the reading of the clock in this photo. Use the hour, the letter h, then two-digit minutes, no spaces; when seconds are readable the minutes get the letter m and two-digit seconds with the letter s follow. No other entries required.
2h41
